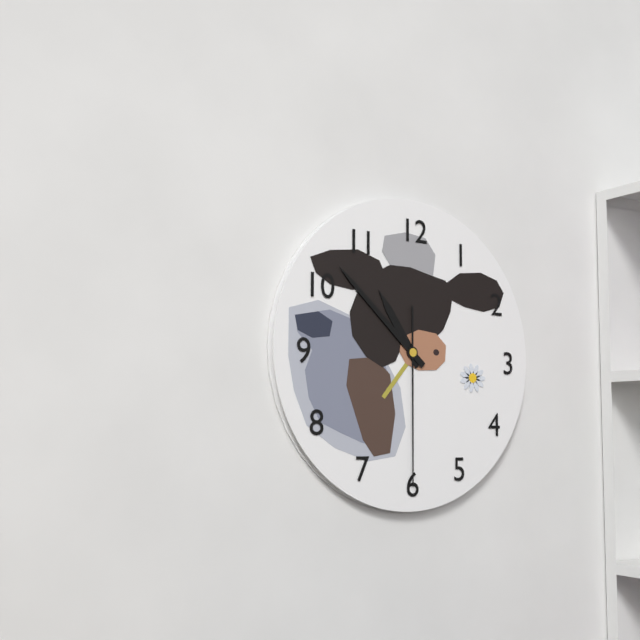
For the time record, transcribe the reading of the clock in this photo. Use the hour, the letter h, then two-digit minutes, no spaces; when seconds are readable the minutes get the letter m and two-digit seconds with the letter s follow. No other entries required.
10h52m30s
